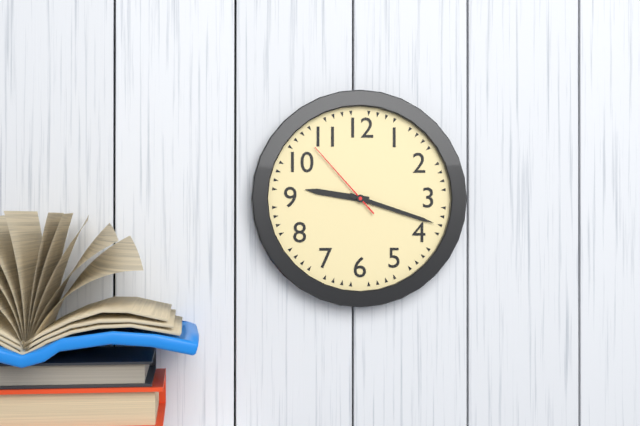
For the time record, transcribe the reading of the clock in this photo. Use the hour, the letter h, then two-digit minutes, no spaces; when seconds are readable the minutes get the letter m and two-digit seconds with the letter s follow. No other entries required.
9h18m53s
